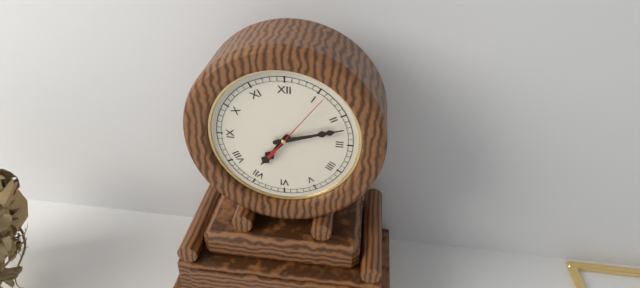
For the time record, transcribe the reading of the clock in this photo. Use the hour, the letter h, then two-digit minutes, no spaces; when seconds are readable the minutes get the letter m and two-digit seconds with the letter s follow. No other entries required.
7h12m06s
